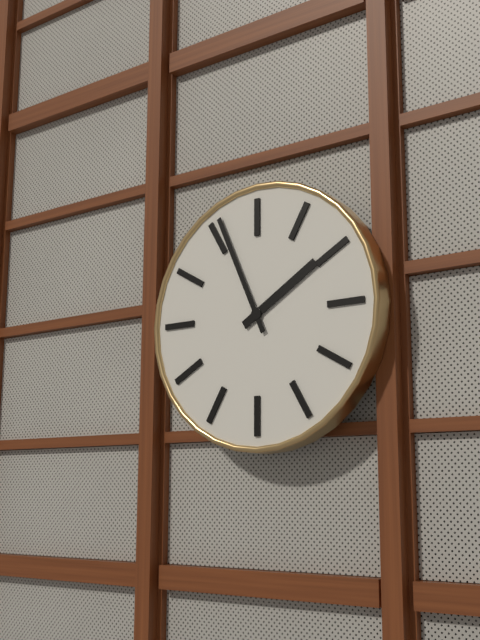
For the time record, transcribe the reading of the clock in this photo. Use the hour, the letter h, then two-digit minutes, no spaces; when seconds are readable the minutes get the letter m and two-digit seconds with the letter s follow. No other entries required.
1h56
